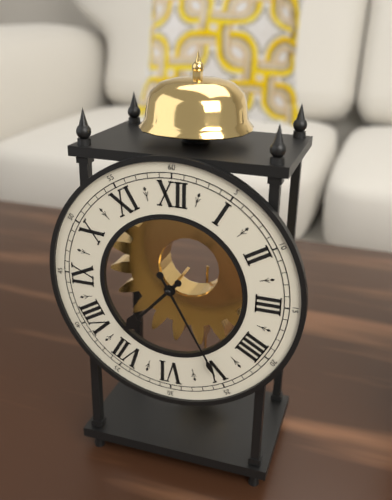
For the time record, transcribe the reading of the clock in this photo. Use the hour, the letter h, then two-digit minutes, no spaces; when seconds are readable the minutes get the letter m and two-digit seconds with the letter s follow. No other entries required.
7h25
